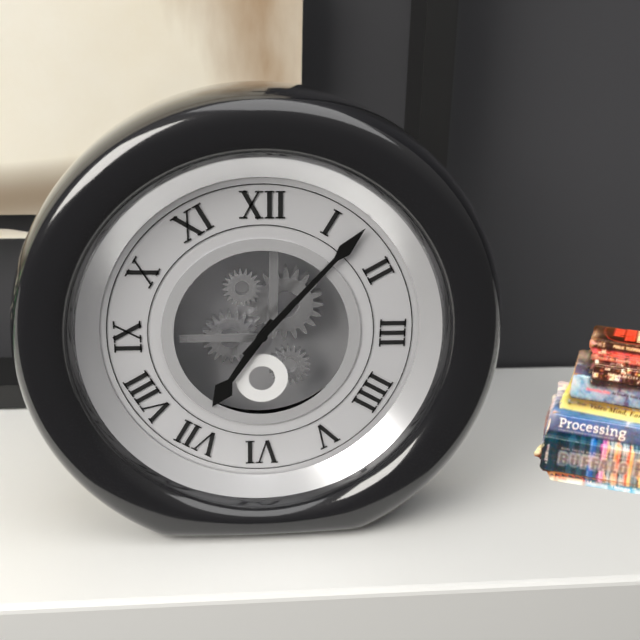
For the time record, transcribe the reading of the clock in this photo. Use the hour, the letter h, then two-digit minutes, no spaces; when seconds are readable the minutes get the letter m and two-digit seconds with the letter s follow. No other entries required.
7h07
